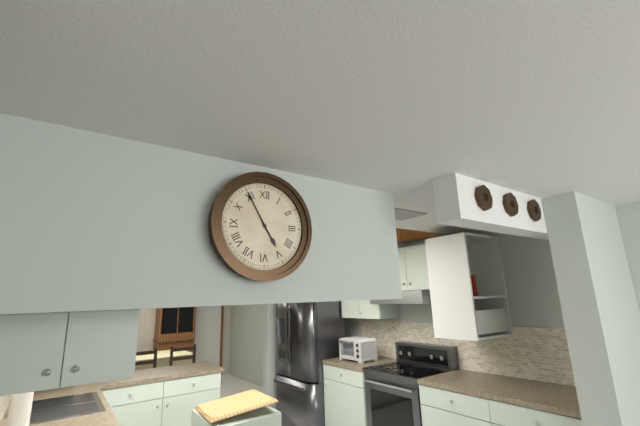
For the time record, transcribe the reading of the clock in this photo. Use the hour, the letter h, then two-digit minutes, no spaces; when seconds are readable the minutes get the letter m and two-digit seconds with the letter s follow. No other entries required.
4h55
